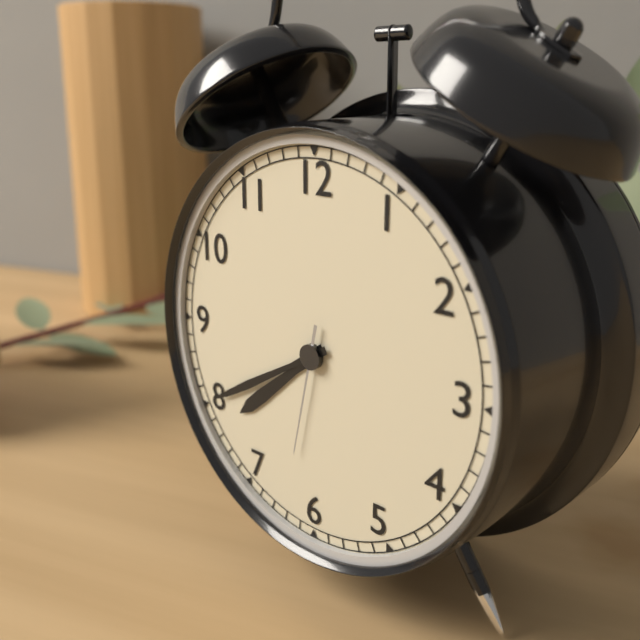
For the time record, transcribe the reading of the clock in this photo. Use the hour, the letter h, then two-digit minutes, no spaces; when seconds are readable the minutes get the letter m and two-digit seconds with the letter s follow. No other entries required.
7h40m32s
